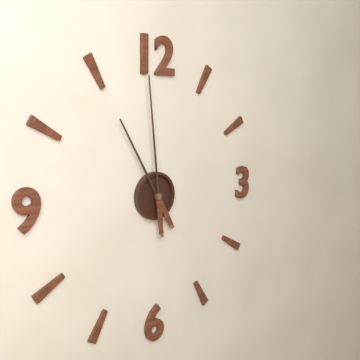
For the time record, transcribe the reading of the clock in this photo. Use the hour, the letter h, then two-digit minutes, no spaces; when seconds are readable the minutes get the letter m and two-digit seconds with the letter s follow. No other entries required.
10h59
